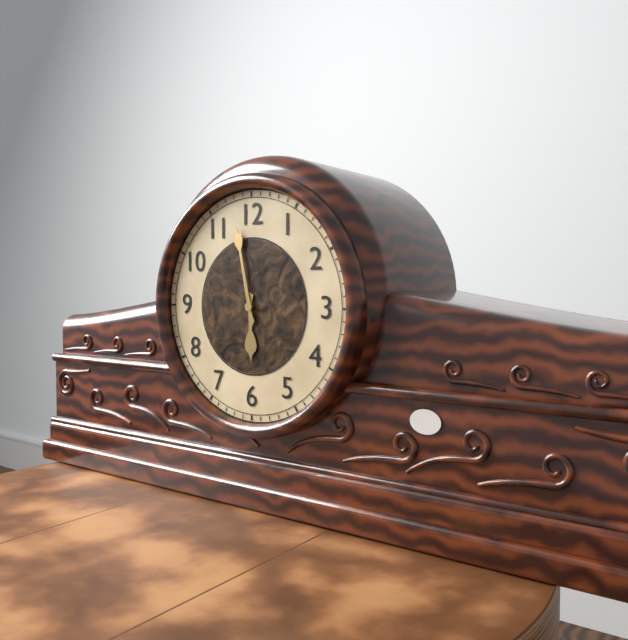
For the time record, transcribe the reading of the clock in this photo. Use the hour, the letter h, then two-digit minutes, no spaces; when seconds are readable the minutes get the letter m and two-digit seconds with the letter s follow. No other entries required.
5h58
